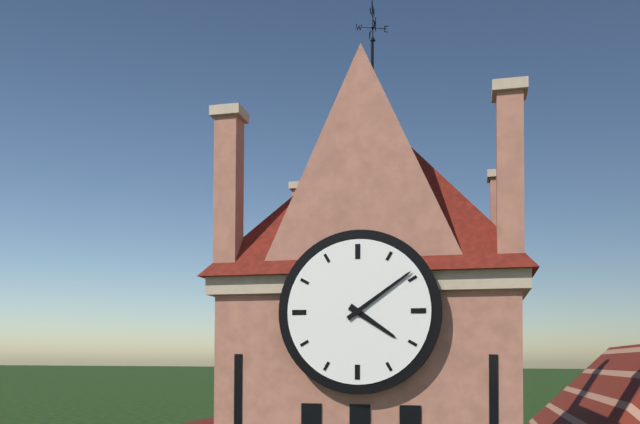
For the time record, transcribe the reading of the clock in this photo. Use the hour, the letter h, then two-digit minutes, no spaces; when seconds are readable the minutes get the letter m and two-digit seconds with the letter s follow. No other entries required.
4h09
